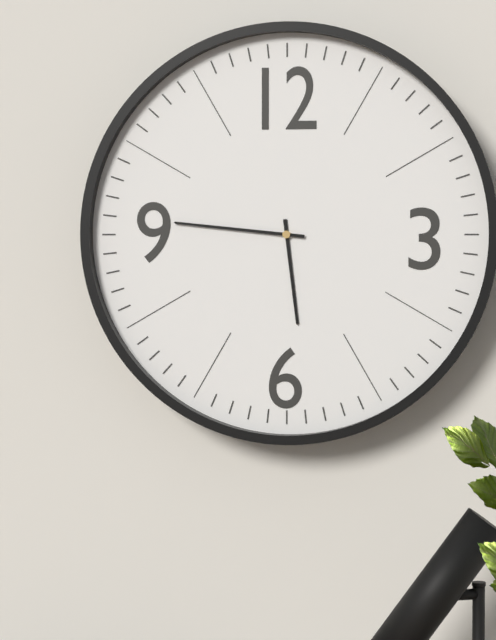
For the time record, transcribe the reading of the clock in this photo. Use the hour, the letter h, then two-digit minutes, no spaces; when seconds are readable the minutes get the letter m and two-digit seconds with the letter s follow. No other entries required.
5h46
